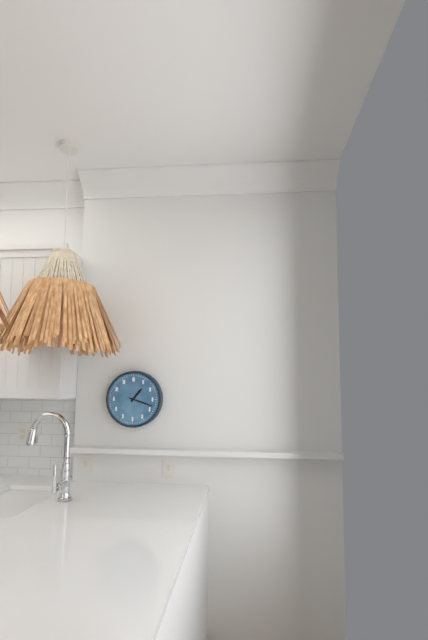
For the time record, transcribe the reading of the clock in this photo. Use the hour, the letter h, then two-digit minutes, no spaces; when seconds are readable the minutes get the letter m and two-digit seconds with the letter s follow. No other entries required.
1h18
